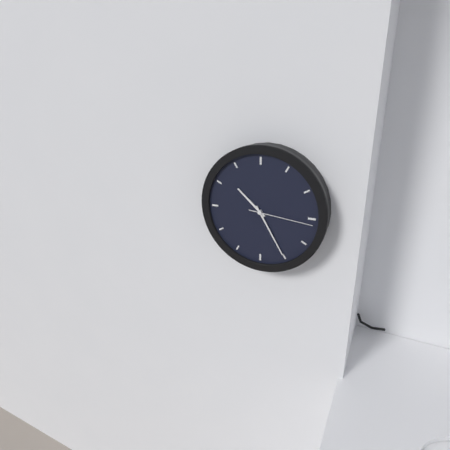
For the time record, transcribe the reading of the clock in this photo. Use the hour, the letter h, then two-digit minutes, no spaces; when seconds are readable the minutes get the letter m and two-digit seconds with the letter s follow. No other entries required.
10h25m16s
